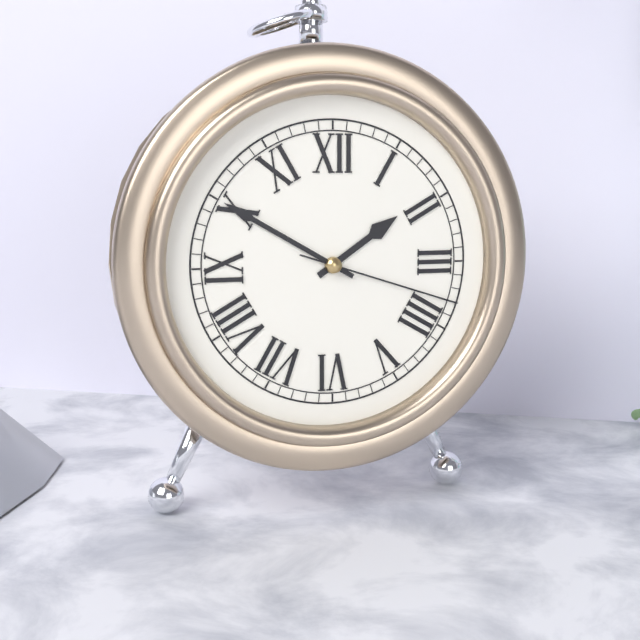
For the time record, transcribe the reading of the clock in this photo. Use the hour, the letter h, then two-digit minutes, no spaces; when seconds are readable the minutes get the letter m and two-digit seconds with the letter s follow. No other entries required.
1h50m18s
